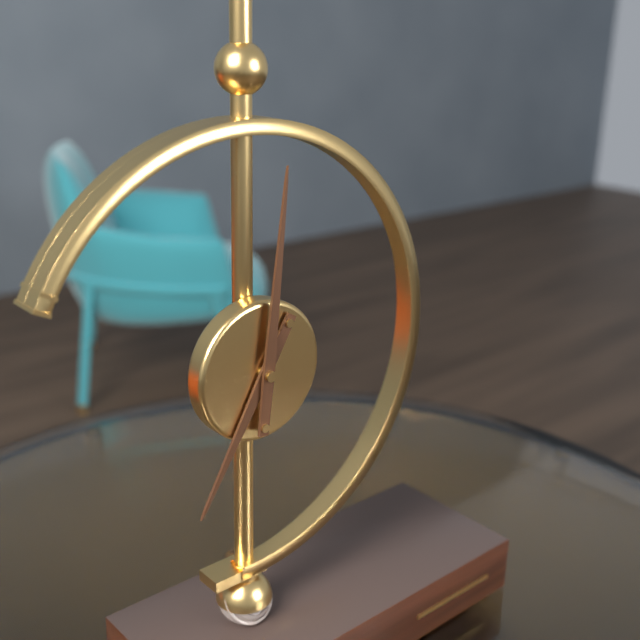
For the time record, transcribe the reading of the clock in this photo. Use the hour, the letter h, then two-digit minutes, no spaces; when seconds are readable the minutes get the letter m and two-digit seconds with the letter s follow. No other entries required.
7h01
